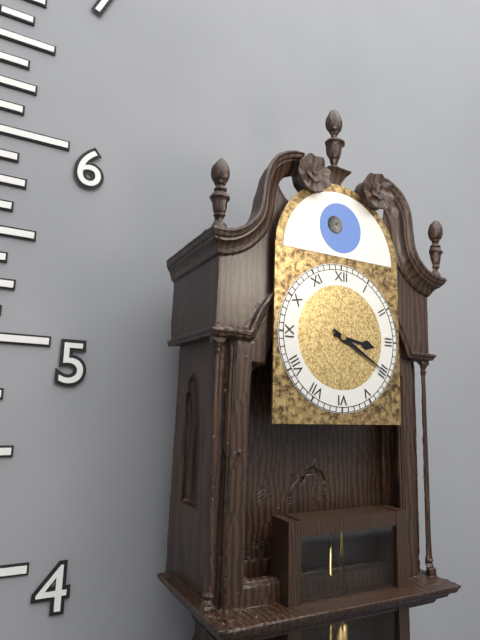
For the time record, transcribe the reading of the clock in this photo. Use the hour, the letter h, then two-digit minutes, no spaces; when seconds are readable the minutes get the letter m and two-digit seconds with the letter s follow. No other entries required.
3h20
